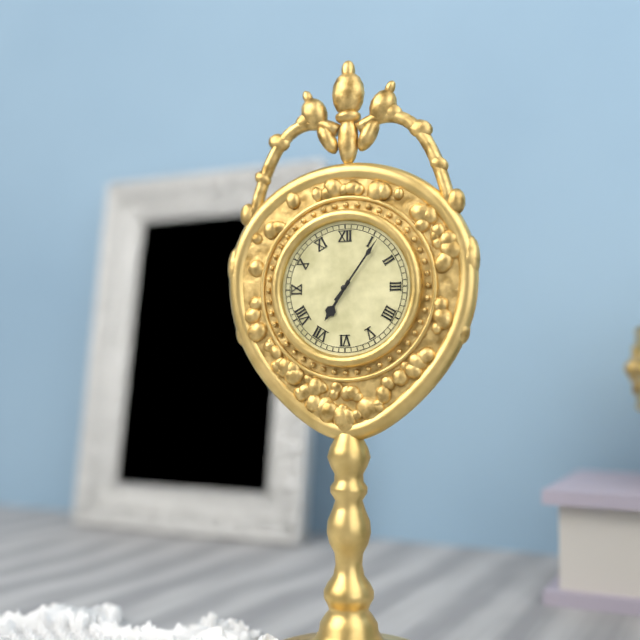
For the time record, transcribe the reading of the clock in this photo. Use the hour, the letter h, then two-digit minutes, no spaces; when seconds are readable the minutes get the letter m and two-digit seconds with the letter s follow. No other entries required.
7h06
